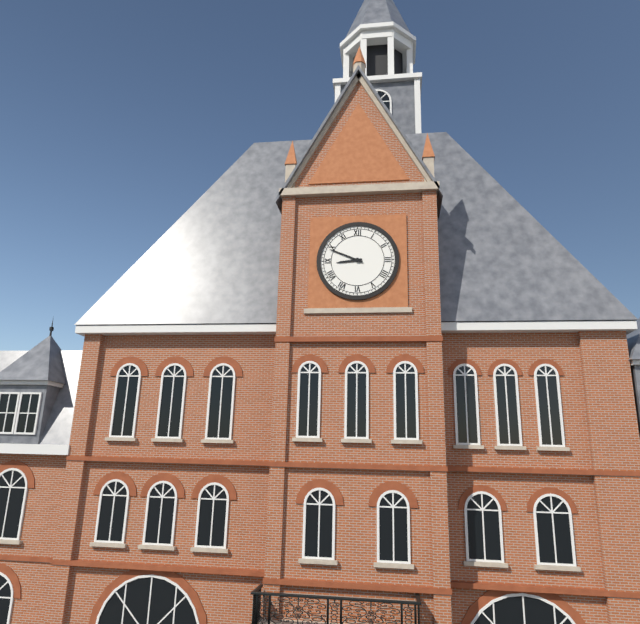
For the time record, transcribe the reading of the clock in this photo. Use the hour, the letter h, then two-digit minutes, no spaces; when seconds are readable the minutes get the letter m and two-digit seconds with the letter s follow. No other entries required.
8h49
